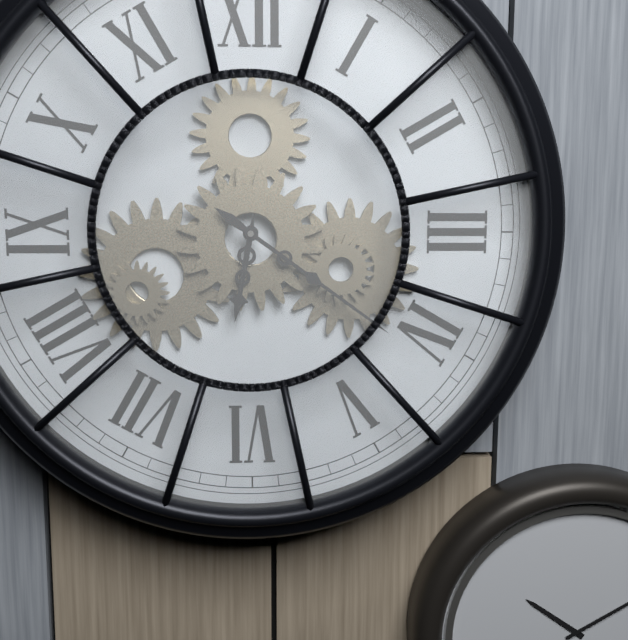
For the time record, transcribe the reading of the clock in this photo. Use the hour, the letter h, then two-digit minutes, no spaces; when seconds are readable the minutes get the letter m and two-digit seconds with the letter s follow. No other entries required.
6h21
